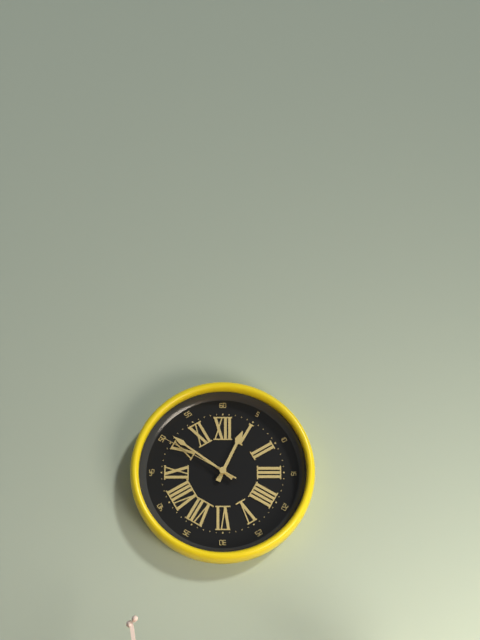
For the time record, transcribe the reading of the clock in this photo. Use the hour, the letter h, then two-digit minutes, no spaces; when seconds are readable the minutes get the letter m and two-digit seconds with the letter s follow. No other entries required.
12h51m50s
